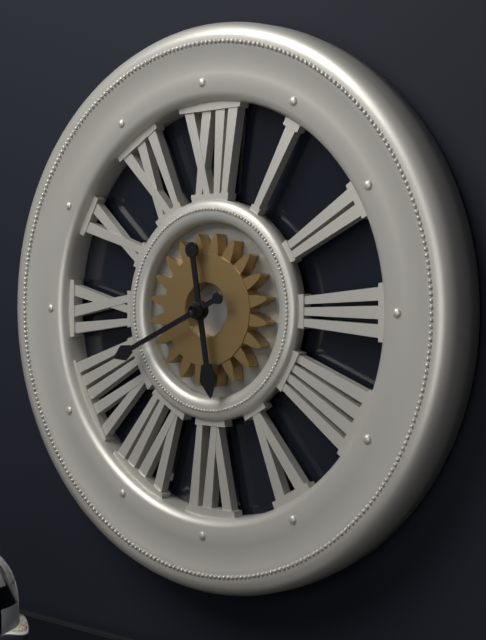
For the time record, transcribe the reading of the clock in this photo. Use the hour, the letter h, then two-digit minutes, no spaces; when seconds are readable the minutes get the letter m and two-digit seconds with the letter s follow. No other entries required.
5h41
